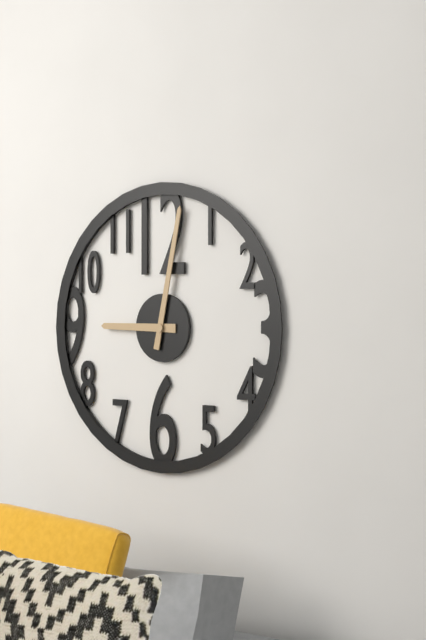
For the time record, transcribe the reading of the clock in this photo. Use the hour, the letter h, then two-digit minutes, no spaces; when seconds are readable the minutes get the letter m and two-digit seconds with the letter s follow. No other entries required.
9h02
